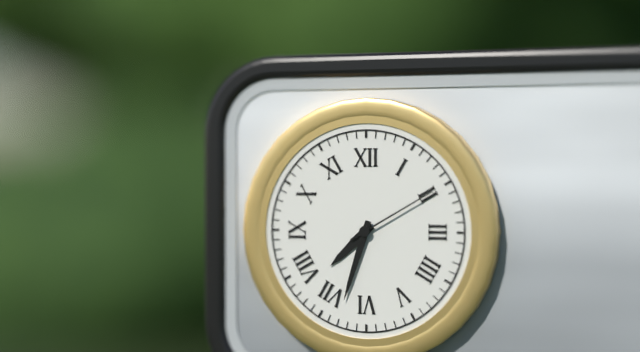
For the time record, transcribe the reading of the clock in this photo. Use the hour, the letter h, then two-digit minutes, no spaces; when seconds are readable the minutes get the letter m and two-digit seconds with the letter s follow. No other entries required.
7h33m10s
